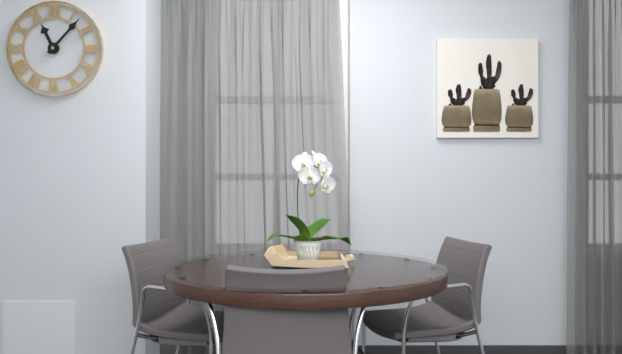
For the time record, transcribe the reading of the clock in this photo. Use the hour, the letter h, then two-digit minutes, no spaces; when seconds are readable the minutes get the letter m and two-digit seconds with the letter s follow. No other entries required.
11h07
